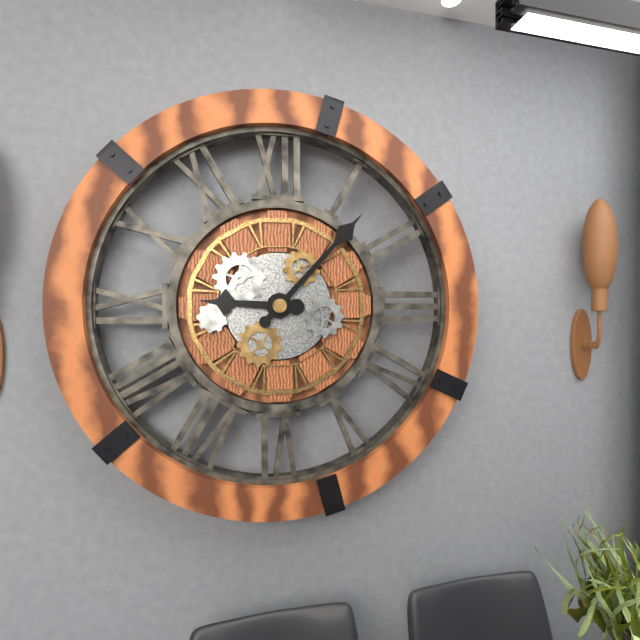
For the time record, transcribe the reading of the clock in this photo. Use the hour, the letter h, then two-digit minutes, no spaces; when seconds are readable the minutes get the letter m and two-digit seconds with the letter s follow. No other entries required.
9h07
